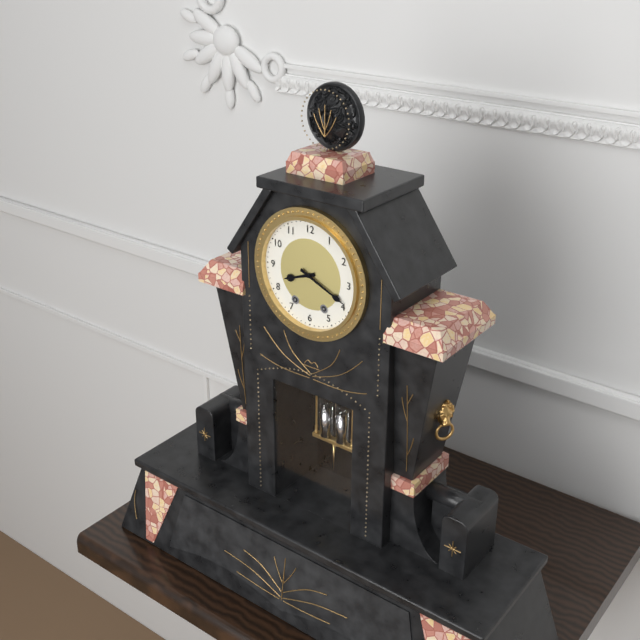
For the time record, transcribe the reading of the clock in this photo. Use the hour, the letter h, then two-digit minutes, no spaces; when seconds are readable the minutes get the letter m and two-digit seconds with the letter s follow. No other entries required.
8h19
